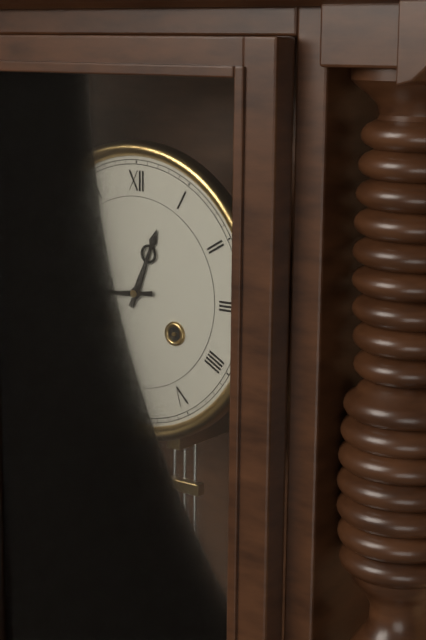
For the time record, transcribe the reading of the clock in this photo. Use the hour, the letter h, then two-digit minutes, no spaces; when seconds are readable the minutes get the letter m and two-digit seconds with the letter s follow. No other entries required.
12h44
